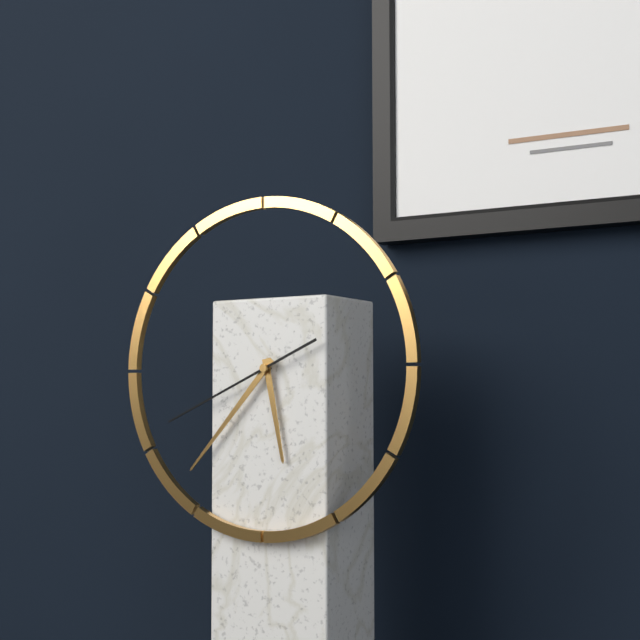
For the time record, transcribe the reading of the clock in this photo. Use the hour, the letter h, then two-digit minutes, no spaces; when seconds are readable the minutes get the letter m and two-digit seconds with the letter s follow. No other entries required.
5h37m41s
